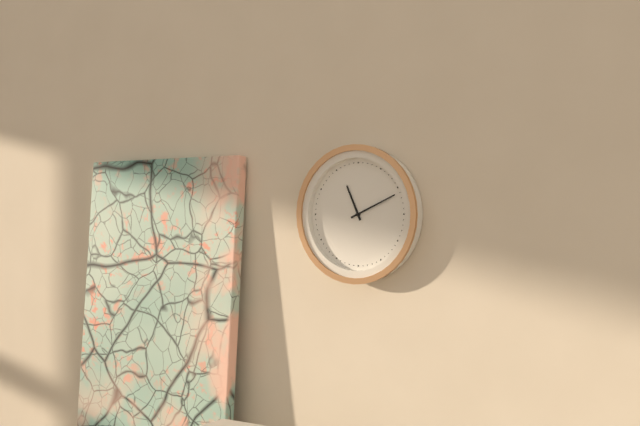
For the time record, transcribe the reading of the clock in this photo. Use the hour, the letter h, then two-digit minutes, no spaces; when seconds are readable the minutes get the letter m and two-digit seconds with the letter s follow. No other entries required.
11h11
